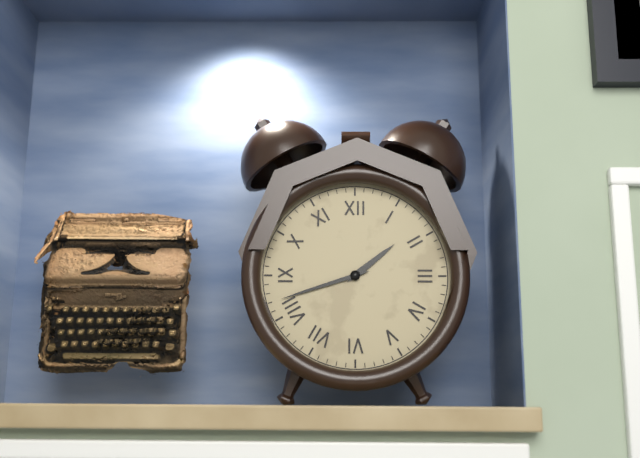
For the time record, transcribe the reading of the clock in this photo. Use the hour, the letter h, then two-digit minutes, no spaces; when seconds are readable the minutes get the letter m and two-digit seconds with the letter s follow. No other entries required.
1h42
